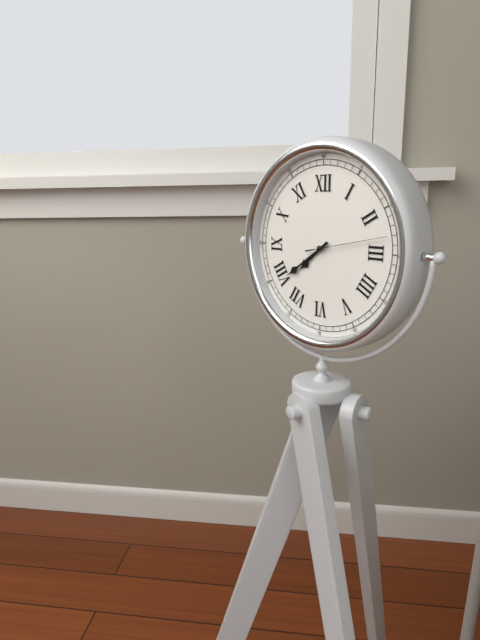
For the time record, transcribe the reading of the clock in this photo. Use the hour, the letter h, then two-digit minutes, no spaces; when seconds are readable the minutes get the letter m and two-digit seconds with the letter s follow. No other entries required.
7h39m13s
